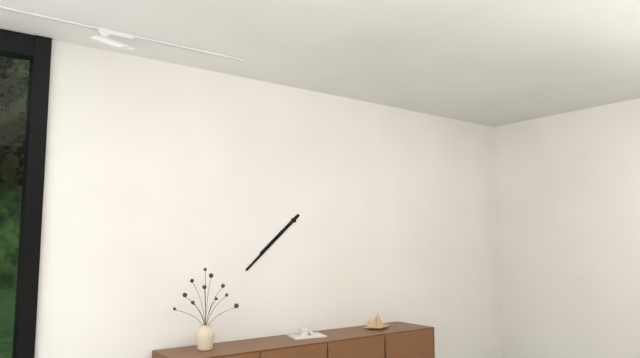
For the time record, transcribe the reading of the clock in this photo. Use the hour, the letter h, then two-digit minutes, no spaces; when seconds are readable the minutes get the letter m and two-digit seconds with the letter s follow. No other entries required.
7h38
